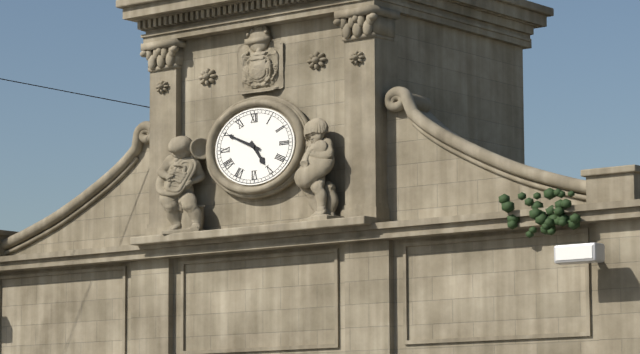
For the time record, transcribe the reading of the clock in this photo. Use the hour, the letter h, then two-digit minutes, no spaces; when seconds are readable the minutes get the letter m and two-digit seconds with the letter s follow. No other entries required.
4h49
